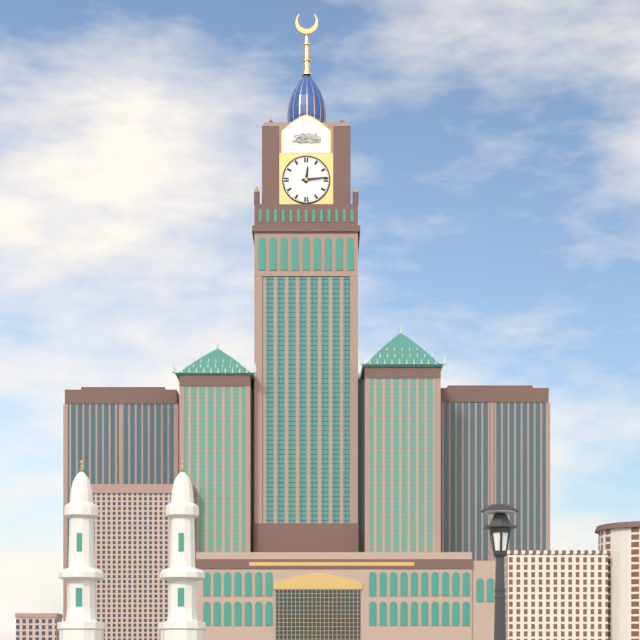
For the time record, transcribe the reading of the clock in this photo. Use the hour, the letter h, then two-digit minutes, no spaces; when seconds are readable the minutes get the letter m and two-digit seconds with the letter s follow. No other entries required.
12h14
